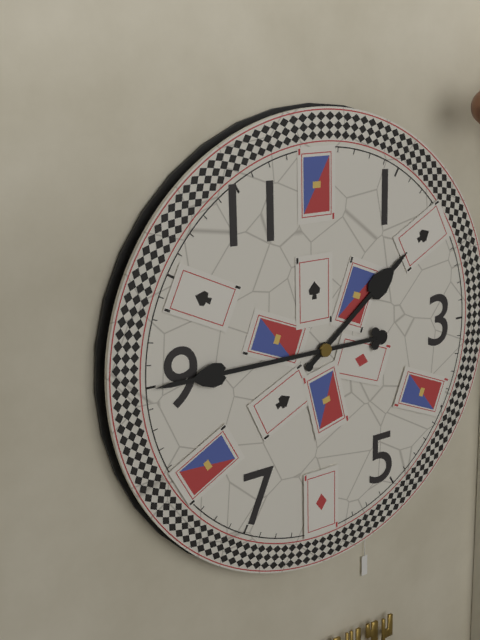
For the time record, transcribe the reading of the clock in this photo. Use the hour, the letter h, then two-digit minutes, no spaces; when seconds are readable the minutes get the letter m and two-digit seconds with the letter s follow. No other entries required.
1h45
